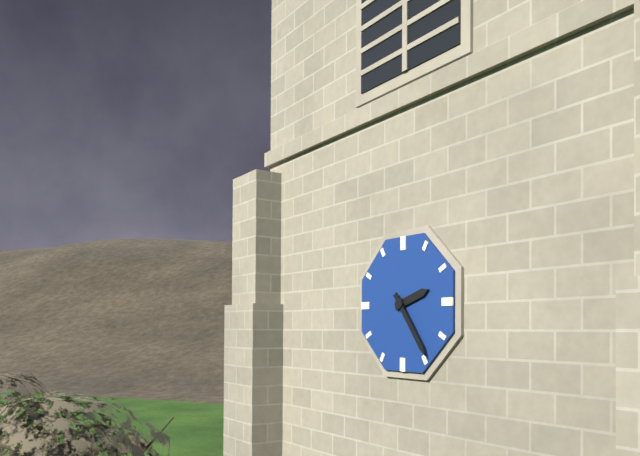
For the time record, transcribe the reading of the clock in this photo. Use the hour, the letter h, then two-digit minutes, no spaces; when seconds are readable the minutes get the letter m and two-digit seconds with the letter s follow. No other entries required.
2h24
